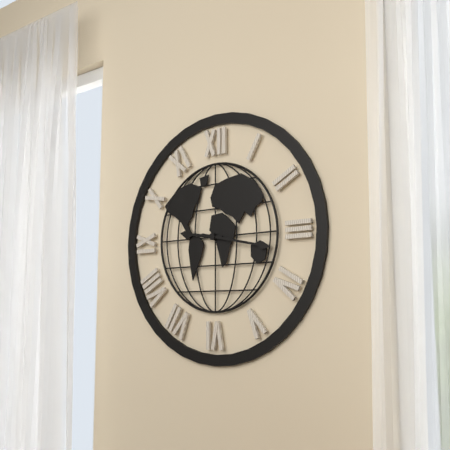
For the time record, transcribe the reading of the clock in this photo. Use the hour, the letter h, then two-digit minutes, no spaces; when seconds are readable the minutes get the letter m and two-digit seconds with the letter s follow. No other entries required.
9h17
